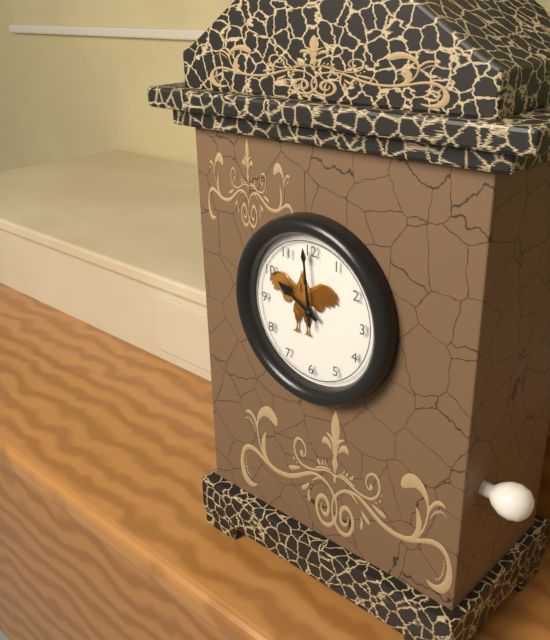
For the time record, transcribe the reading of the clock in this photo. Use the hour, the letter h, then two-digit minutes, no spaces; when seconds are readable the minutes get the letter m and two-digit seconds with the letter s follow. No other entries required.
9h59
